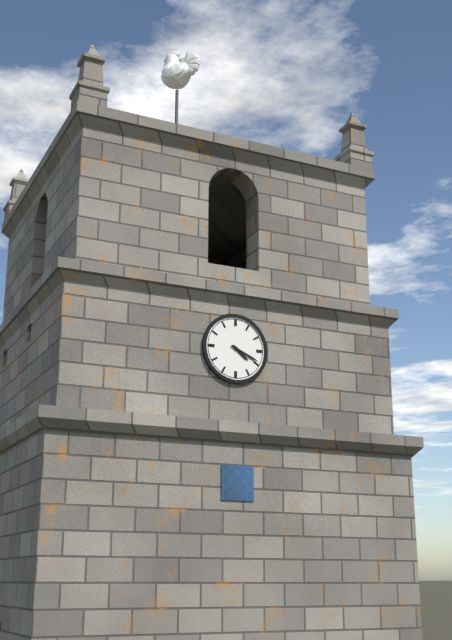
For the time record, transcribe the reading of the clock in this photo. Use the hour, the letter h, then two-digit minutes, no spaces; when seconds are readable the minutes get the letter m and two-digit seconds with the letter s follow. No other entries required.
4h19
